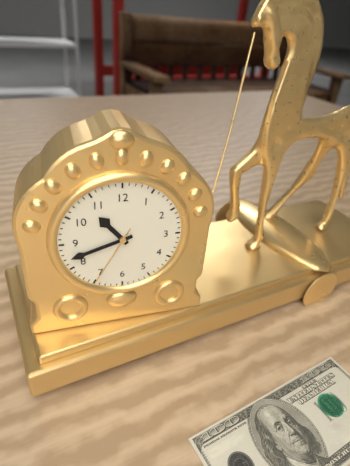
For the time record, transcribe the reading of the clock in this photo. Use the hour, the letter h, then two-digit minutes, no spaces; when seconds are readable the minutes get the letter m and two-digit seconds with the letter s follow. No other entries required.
10h42m35s
